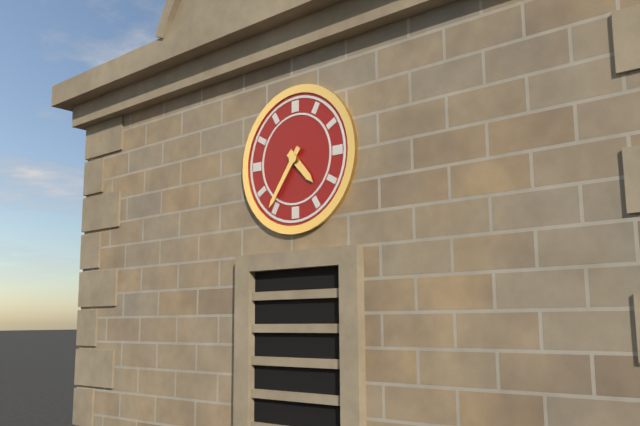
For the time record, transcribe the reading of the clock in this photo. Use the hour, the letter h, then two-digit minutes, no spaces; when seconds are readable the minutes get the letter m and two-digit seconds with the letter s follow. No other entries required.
4h36
